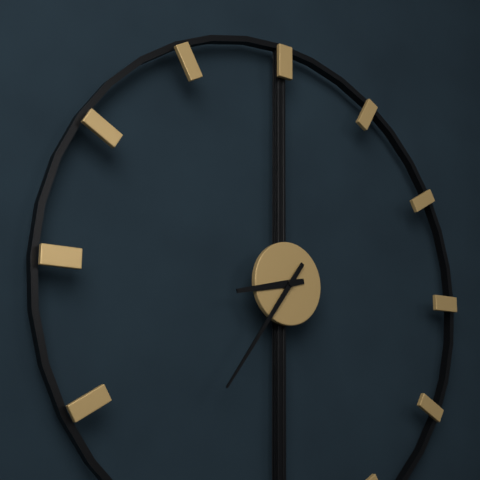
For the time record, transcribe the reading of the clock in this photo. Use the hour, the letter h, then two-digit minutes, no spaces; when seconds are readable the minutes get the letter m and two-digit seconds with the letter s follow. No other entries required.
8h36
